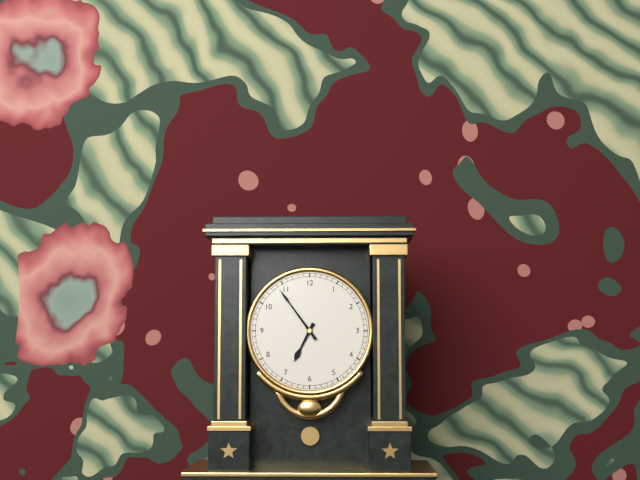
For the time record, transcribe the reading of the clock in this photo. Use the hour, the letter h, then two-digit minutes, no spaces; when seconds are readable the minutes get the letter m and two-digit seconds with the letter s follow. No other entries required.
6h54
